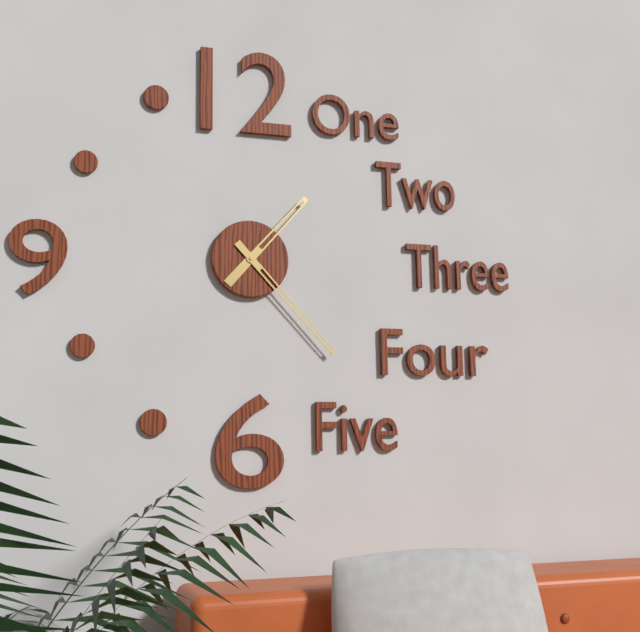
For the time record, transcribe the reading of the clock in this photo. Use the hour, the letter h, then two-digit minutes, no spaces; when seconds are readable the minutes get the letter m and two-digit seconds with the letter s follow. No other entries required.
1h23
